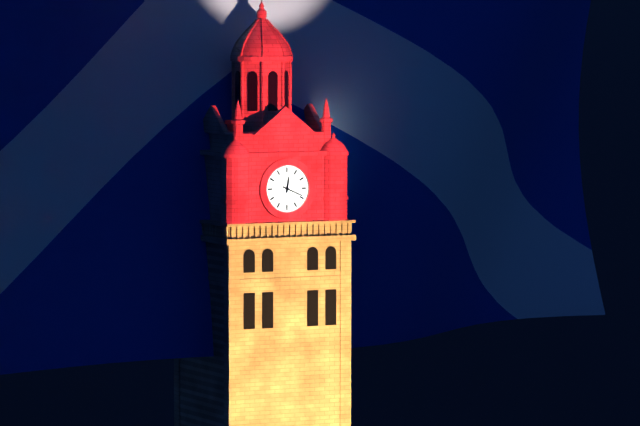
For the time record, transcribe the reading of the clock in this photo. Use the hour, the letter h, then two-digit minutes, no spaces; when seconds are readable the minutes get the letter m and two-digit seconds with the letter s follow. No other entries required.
12h19
